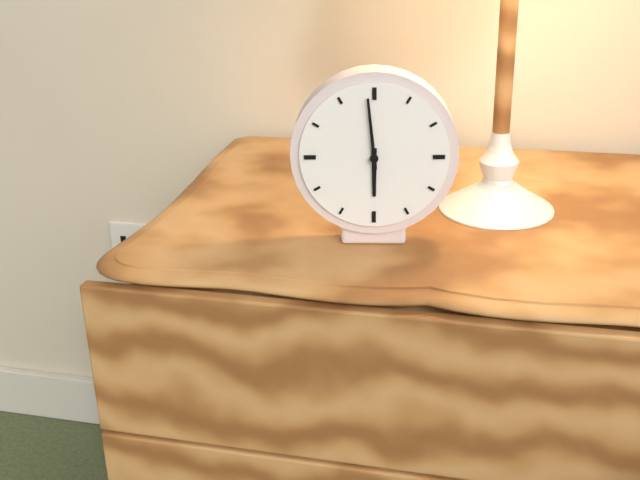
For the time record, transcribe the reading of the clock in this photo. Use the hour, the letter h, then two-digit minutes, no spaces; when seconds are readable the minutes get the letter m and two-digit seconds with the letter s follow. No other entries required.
5h59
